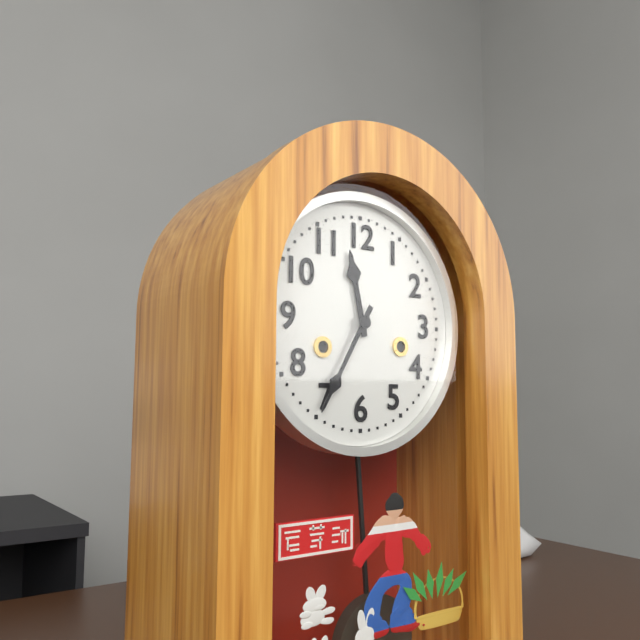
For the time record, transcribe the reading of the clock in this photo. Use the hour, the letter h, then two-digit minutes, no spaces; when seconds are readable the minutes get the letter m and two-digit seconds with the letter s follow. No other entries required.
11h35
